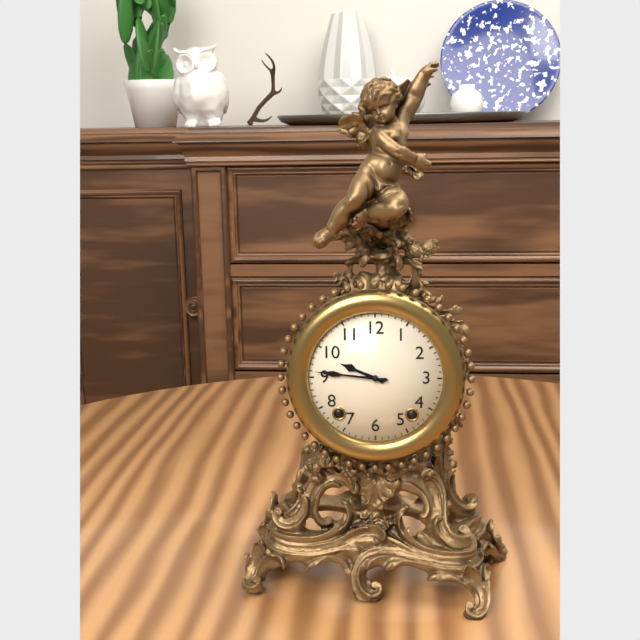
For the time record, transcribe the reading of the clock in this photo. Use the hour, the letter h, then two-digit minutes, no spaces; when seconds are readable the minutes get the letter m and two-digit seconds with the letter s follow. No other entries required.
9h46
